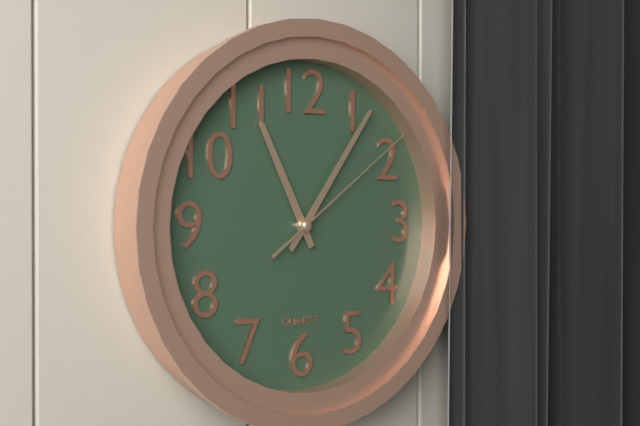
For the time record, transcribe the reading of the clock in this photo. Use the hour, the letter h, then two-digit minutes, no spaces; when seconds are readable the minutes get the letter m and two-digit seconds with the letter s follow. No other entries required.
11h06m09s
